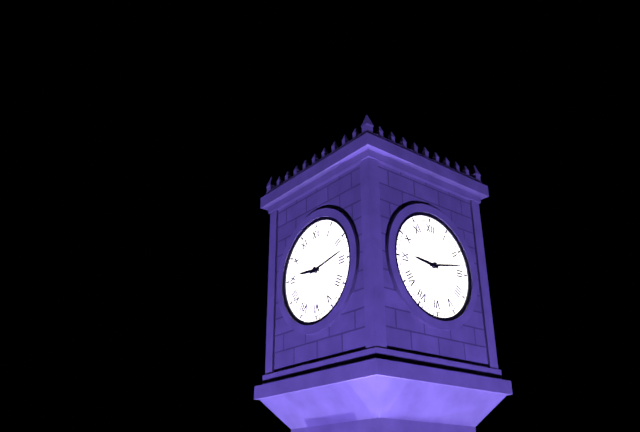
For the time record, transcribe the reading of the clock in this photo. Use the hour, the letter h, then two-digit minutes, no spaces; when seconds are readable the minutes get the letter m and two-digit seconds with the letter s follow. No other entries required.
9h13
